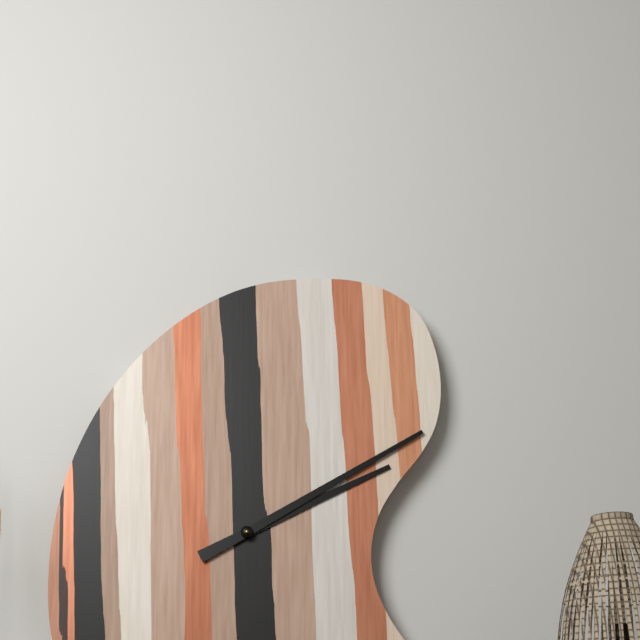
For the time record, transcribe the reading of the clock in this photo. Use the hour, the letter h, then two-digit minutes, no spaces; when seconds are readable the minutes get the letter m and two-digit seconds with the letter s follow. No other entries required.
2h10
